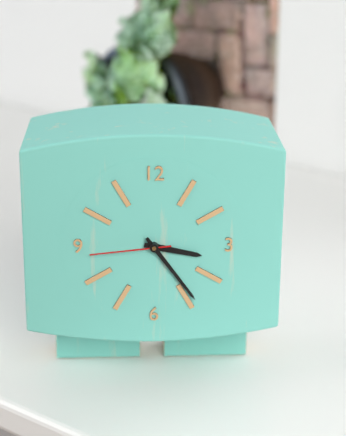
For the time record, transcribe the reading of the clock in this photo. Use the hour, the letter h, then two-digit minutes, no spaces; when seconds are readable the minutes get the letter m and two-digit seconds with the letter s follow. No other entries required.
3h24m44s
